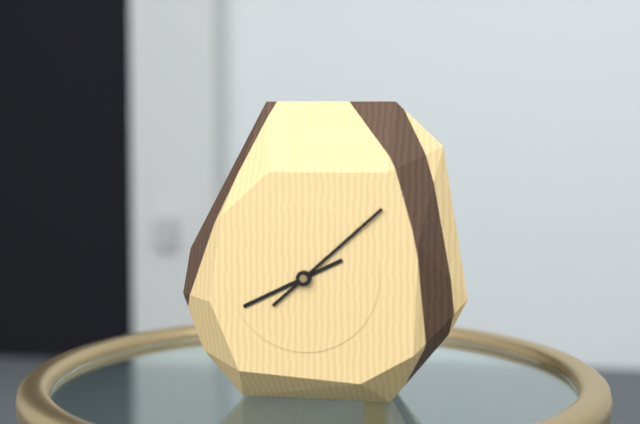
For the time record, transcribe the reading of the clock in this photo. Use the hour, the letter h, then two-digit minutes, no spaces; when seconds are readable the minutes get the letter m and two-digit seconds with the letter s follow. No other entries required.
8h08
